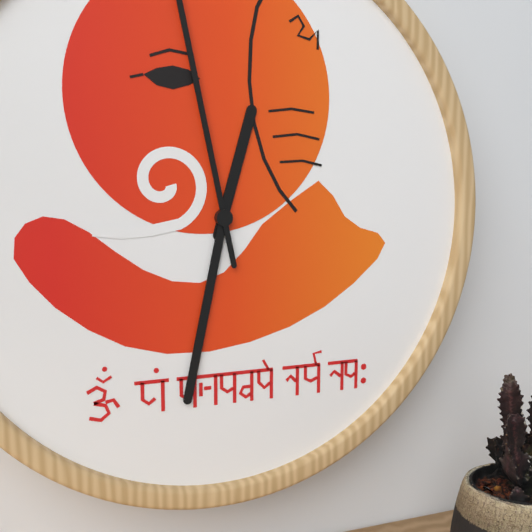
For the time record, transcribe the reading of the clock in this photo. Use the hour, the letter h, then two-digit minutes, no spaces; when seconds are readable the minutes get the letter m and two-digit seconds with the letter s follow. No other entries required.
12h32
